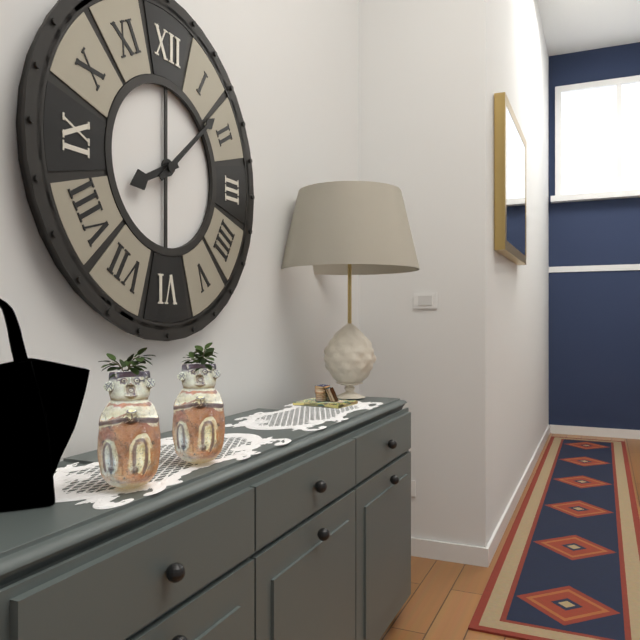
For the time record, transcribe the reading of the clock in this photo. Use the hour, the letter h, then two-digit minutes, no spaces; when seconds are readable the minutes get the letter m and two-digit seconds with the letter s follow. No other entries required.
8h08
